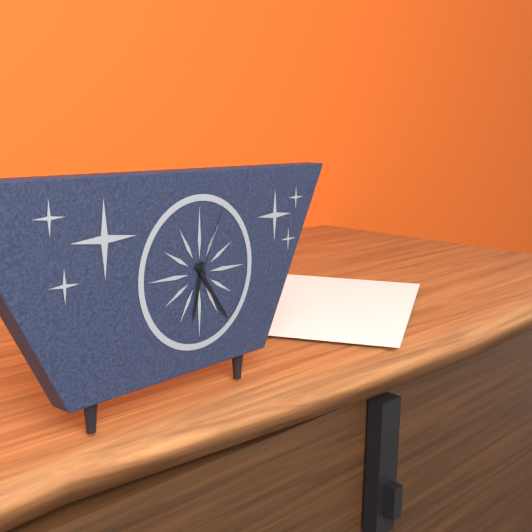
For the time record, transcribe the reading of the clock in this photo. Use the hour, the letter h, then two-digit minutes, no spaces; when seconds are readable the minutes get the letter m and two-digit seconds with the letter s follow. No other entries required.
6h24m04s
